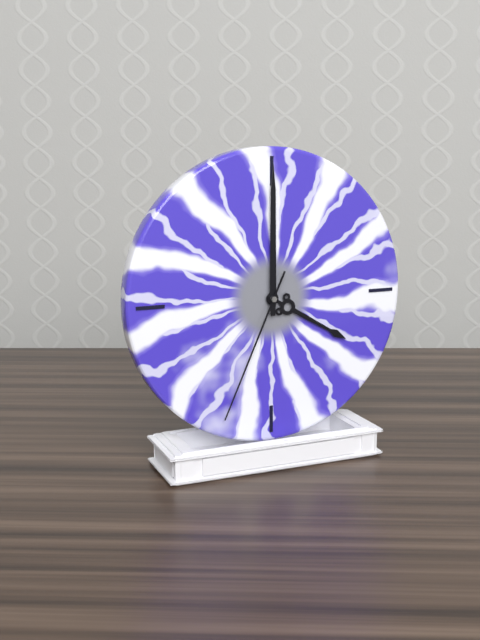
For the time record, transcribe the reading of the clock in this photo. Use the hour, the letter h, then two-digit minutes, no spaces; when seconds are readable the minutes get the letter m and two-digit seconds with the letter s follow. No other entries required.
4h00m34s
